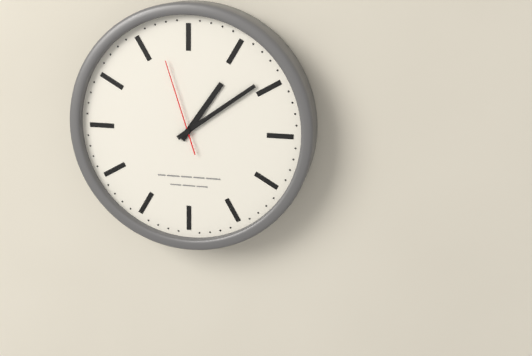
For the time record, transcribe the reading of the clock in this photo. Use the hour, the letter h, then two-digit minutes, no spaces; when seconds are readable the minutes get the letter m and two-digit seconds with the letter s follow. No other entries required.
1h09m57s
